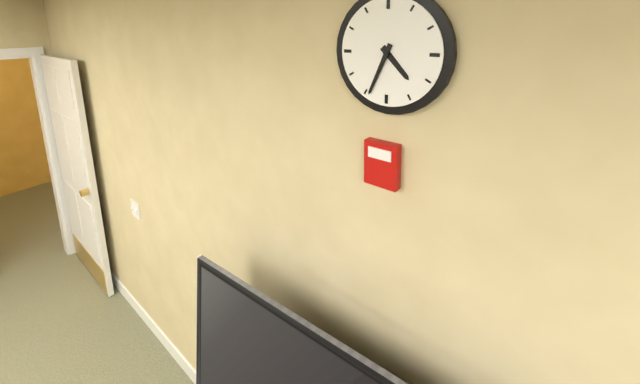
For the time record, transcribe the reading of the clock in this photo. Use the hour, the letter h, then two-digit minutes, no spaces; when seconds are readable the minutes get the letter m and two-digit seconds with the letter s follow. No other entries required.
4h34
